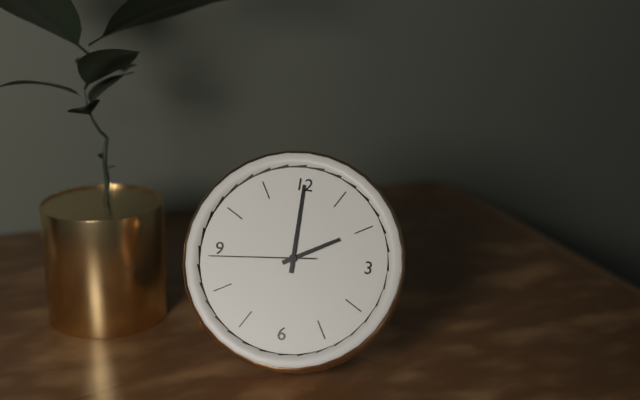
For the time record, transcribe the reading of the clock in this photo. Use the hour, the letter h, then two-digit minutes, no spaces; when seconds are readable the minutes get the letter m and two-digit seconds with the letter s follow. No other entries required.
2h00m44s
